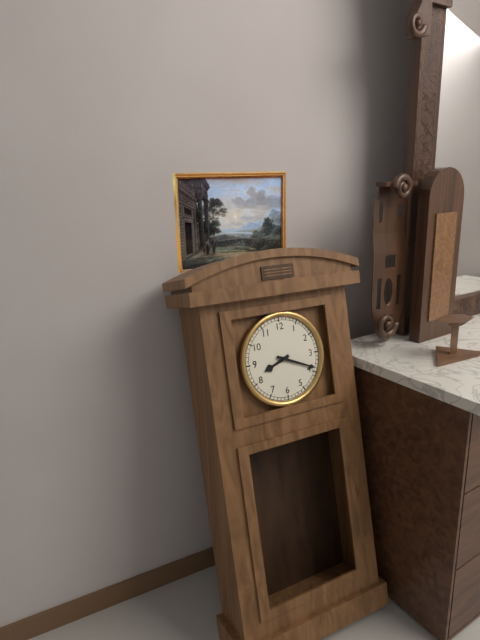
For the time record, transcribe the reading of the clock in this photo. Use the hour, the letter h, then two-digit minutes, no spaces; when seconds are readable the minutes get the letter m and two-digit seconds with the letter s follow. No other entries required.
8h19
